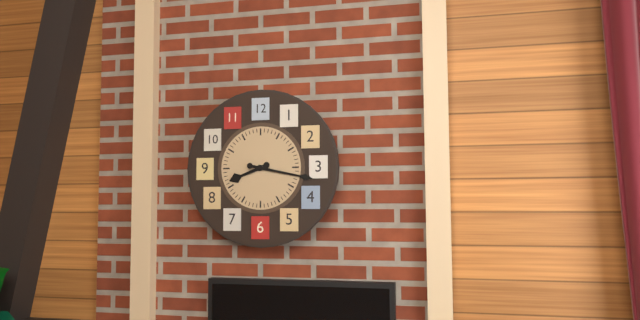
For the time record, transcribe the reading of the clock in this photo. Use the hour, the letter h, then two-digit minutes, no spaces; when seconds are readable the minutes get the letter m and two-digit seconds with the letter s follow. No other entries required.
8h17
